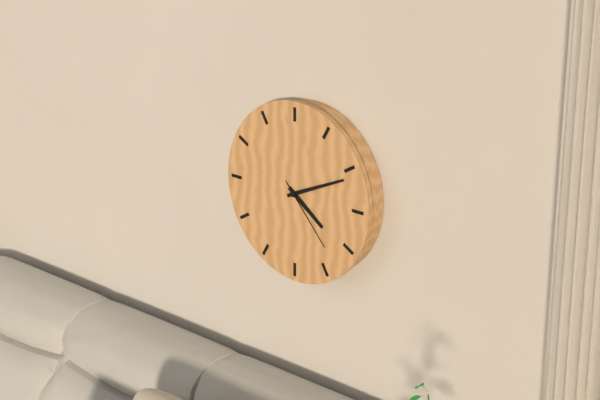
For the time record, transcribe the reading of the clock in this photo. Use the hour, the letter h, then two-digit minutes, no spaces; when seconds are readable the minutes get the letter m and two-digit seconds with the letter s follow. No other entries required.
4h11m23s
